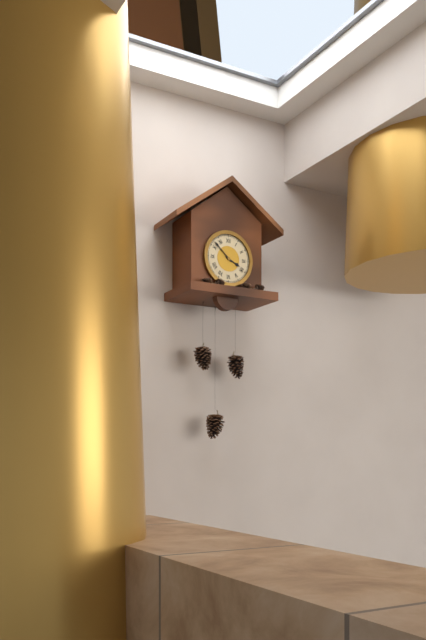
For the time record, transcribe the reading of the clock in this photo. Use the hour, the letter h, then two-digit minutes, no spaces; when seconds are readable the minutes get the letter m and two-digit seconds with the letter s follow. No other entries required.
3h52
